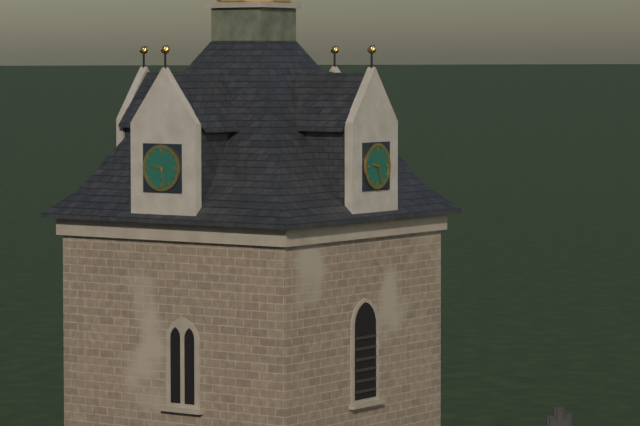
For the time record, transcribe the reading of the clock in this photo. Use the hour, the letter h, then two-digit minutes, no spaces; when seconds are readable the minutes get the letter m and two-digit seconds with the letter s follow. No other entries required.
9h27
